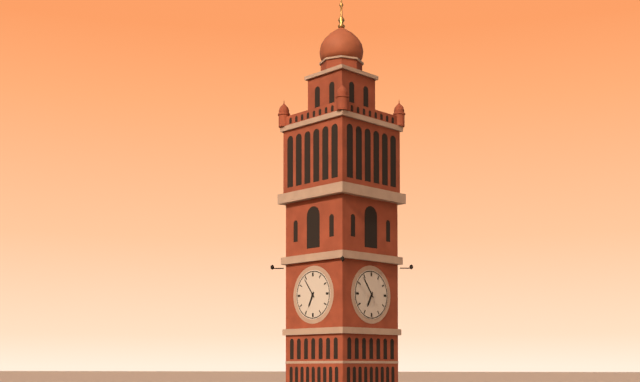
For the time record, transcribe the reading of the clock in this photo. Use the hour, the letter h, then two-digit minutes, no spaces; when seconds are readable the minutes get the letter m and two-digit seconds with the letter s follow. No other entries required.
6h54
